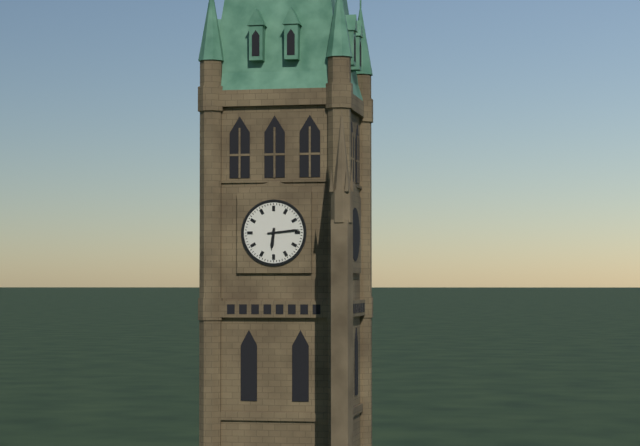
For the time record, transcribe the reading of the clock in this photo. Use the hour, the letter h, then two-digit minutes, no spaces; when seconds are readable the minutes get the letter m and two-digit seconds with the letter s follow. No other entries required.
6h14
